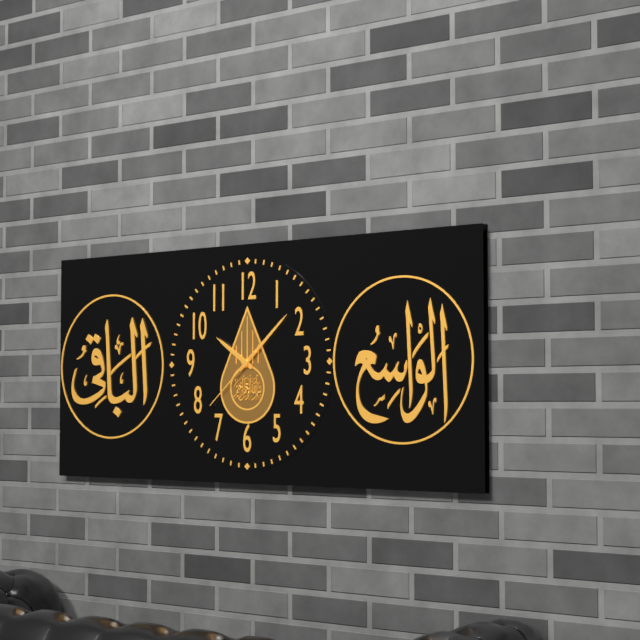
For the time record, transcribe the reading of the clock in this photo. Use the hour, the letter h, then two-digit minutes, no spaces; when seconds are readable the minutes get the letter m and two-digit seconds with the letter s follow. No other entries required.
10h08m38s
